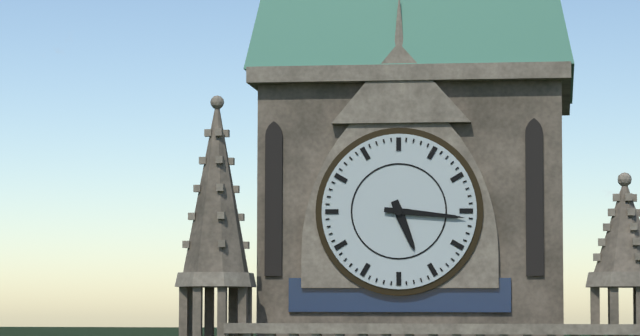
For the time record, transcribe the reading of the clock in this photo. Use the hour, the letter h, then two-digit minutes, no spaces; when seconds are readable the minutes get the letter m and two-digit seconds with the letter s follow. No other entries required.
5h16
